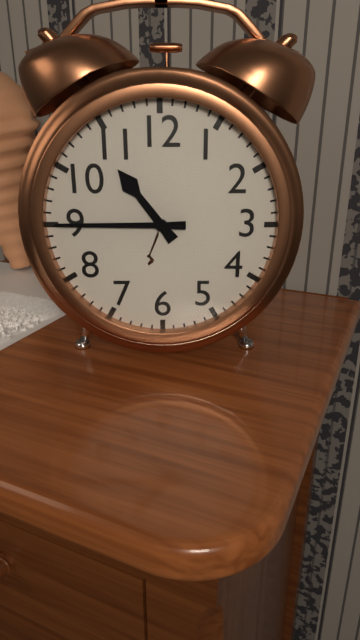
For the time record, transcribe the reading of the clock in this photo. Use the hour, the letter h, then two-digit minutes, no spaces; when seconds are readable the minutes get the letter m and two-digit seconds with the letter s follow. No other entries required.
10h45
